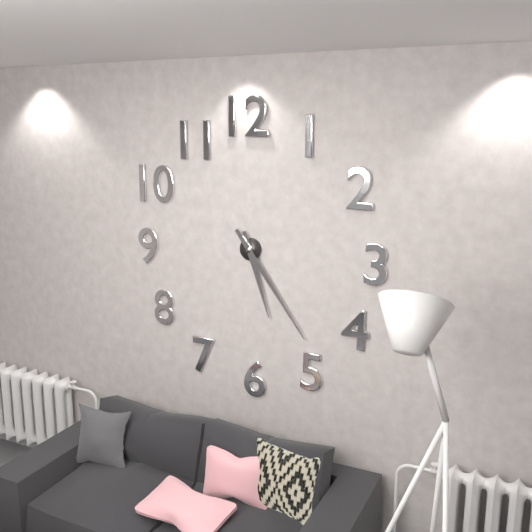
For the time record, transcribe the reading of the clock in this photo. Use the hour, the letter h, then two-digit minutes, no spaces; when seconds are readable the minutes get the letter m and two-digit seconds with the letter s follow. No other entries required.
5h24
